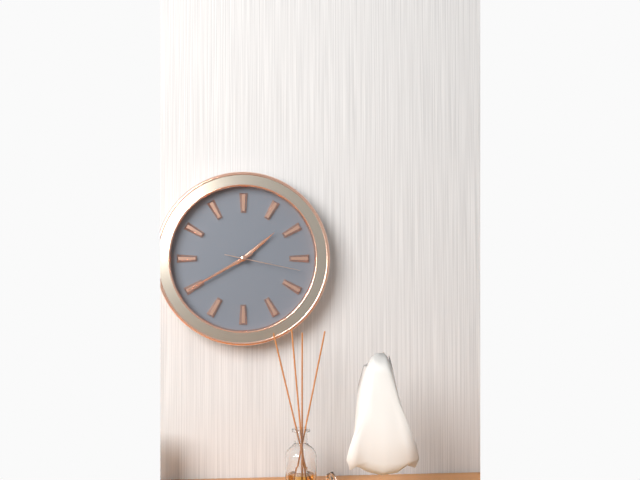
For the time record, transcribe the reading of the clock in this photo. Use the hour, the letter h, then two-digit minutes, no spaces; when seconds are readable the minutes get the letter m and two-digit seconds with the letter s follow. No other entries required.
1h40m17s
